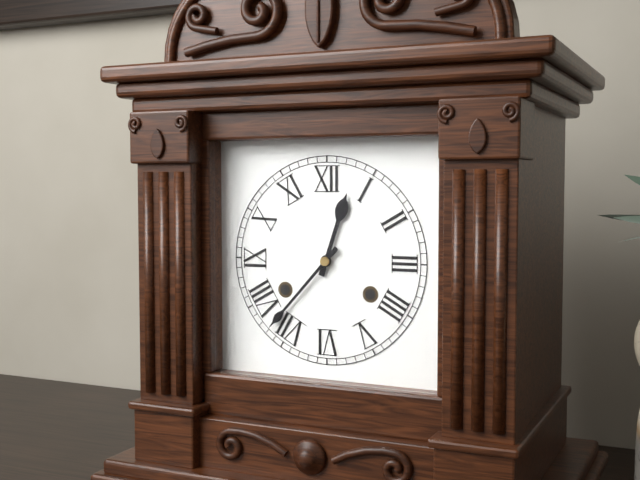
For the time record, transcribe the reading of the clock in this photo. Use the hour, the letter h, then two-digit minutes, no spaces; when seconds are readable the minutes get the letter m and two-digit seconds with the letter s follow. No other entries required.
12h37
